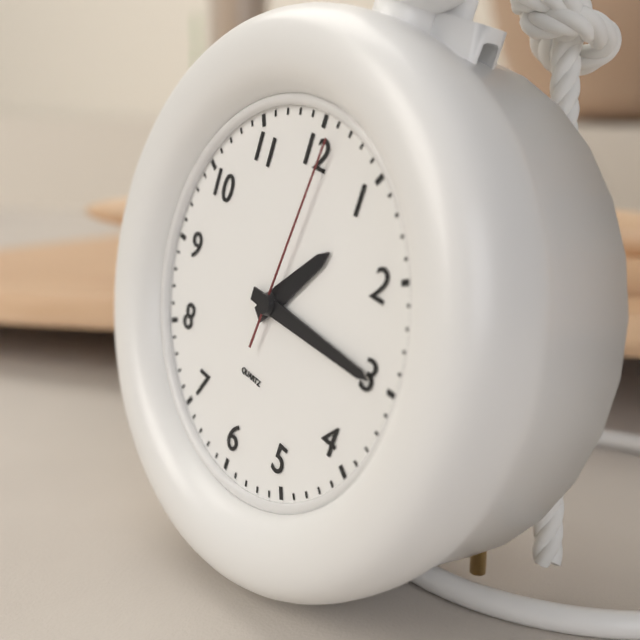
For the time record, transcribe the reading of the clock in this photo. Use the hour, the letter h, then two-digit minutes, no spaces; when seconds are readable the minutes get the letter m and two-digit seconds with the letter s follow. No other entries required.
1h15m01s
